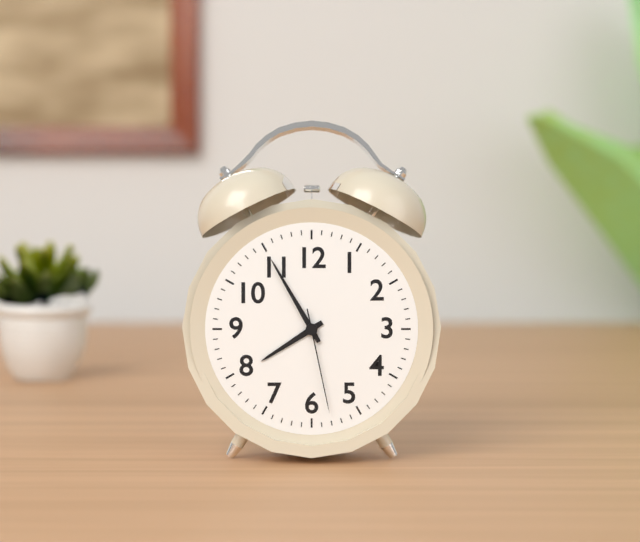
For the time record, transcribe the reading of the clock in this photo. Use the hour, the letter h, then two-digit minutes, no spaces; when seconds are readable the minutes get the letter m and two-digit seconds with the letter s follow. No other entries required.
7h55m28s
